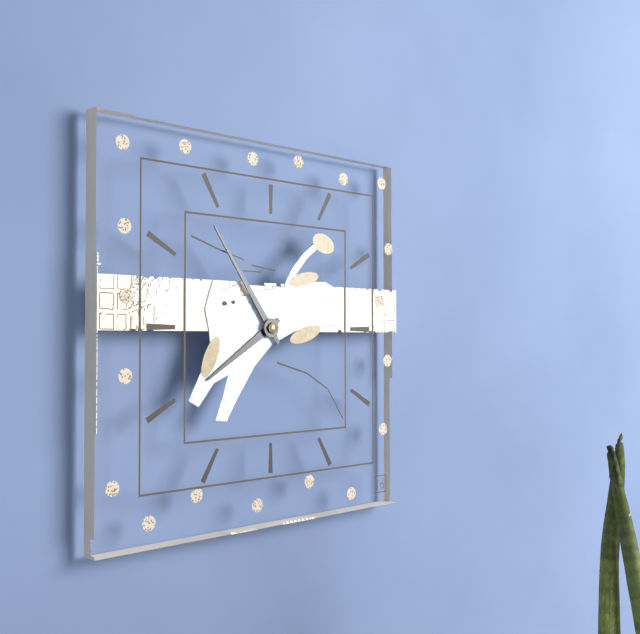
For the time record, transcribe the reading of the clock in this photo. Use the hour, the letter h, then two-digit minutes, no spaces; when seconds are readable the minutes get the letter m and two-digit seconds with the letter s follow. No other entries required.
7h54
